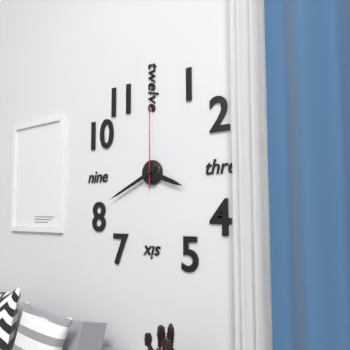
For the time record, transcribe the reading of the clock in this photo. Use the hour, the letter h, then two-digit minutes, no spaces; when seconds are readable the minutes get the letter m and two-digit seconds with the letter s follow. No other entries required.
3h41m00s
